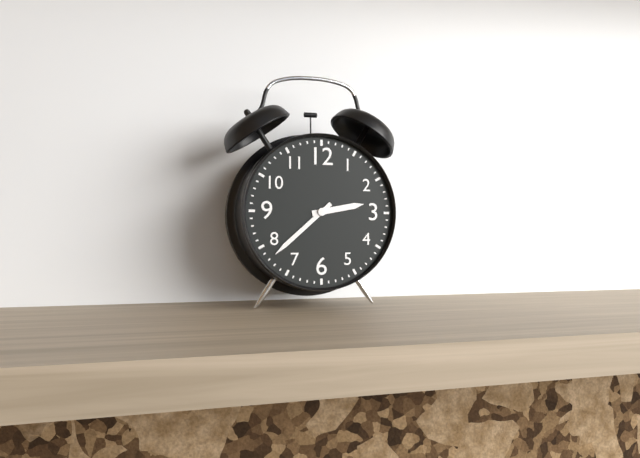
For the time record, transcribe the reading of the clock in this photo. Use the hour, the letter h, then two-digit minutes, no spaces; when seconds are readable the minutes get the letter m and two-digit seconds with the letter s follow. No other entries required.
2h38
